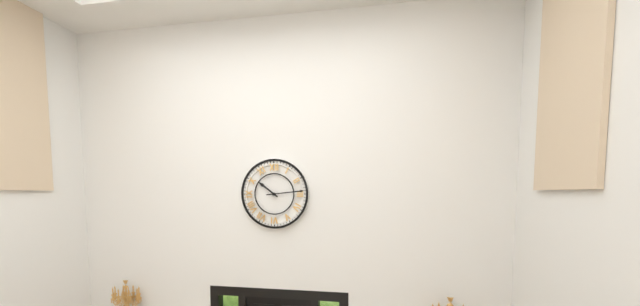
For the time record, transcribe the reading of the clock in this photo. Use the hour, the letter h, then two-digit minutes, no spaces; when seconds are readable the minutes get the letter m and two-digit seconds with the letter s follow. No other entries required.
10h14
